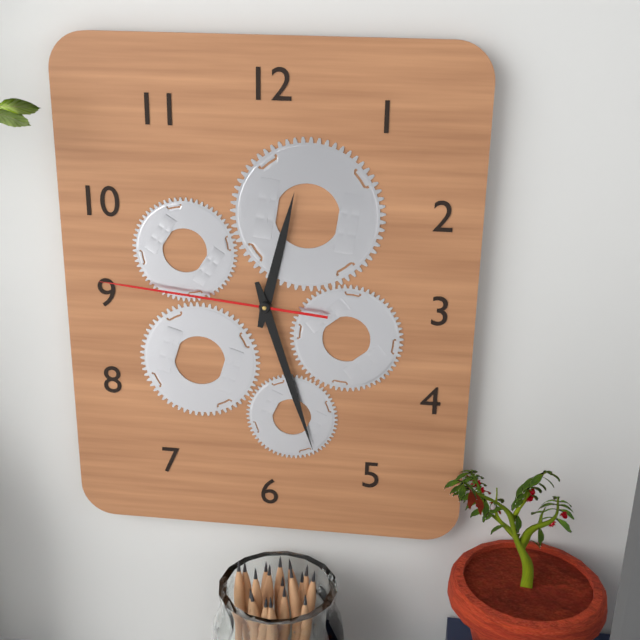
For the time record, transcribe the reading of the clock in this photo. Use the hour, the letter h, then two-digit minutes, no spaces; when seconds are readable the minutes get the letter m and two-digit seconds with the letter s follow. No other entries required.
12h27m46s
